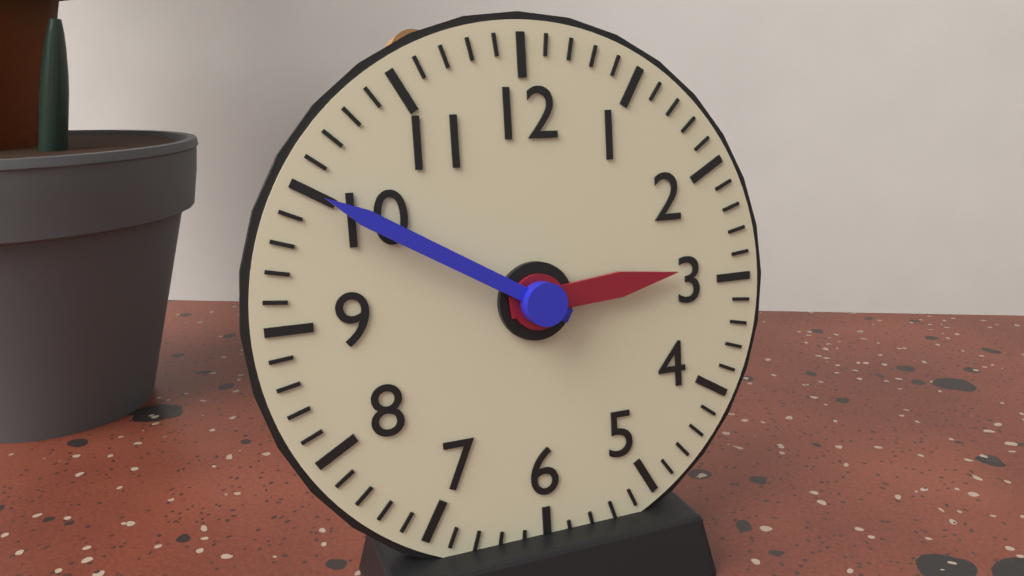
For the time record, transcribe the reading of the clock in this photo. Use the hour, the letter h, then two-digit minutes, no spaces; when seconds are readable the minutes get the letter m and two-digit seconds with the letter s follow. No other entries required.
2h50
